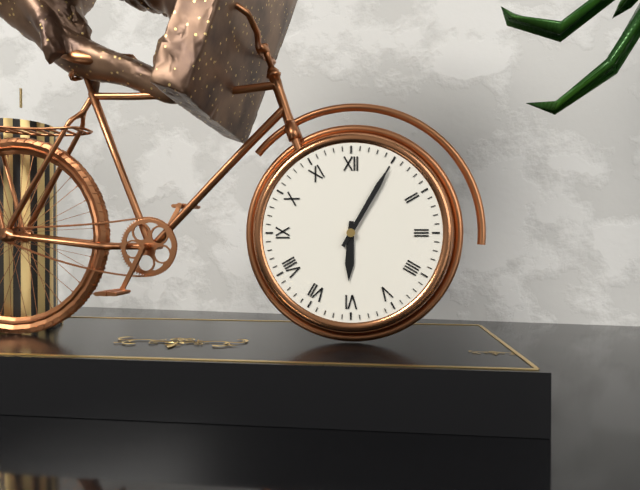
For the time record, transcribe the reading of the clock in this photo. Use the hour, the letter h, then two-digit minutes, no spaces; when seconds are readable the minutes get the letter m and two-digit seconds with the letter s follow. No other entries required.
6h05
